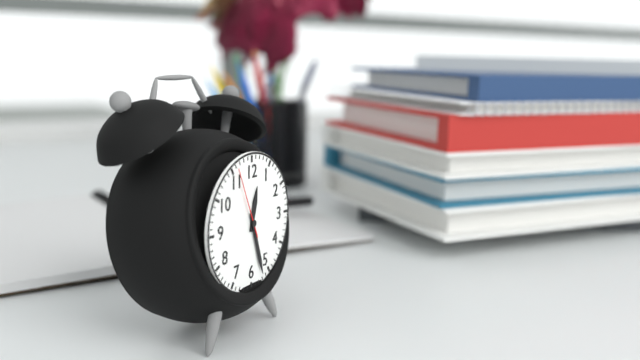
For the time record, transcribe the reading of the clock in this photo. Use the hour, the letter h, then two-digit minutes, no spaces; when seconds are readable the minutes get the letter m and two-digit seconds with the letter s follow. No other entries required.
12h27m56s
